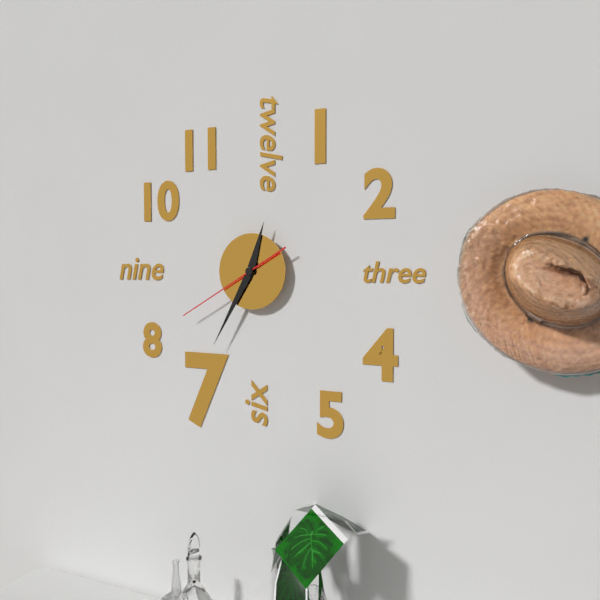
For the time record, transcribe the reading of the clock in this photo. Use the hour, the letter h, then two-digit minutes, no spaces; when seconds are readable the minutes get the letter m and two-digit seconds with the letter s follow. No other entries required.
12h35m40s
